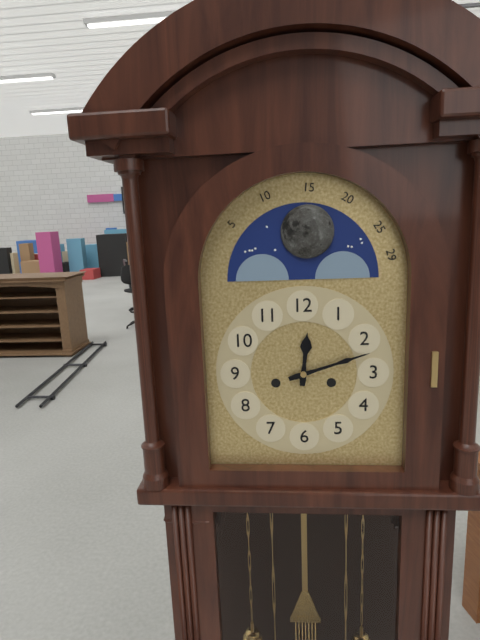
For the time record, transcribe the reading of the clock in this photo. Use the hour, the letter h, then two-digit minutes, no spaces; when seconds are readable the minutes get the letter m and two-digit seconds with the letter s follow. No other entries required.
12h12
